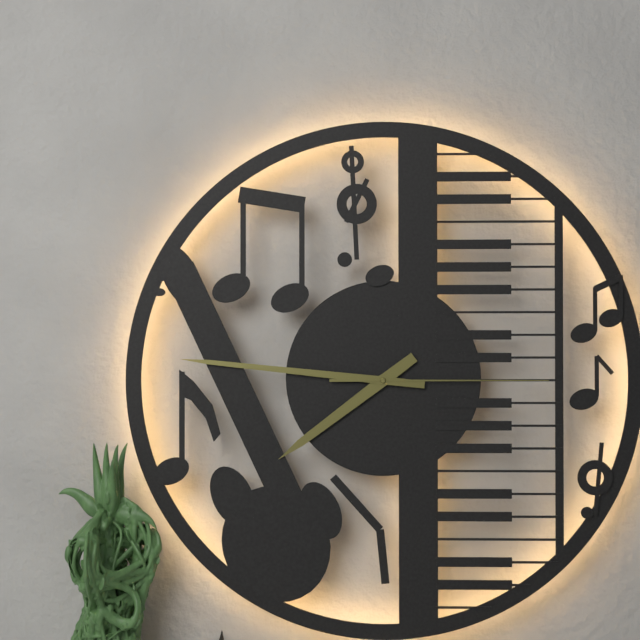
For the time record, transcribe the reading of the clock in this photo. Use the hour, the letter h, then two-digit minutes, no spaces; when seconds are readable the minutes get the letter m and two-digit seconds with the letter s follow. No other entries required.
7h46m15s
